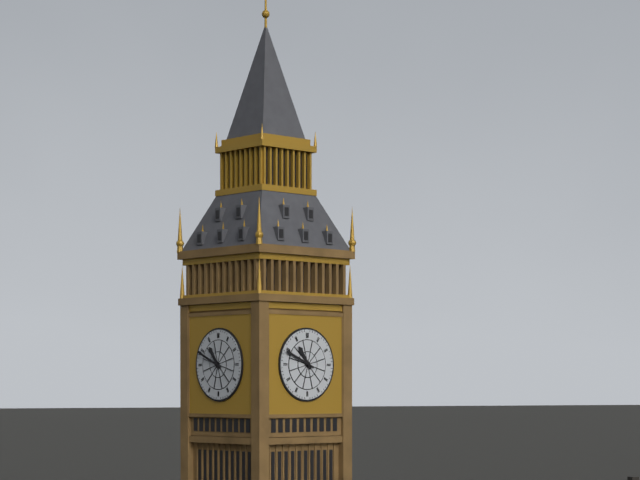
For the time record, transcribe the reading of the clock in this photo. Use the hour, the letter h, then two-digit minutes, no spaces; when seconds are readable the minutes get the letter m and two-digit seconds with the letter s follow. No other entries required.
10h49
